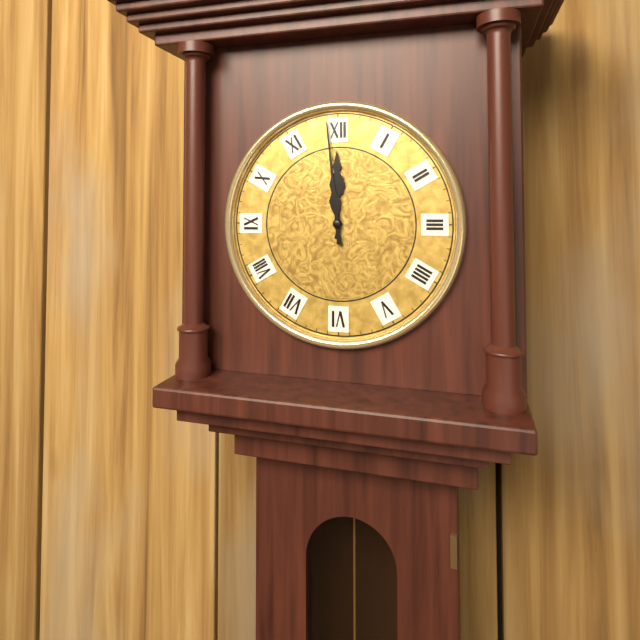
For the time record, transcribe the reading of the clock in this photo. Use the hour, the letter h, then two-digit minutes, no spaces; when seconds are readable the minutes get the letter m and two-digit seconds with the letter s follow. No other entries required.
11h59
